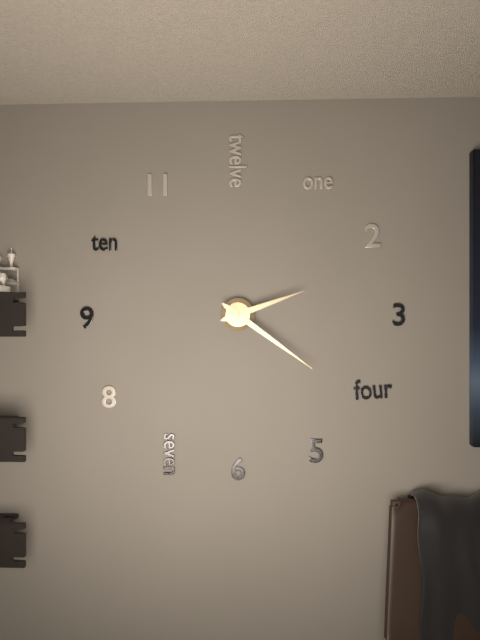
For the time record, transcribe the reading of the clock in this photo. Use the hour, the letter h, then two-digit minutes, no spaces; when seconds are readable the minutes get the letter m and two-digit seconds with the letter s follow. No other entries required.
2h21
